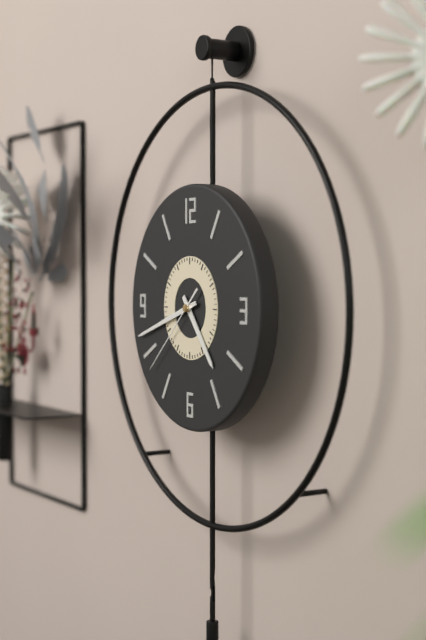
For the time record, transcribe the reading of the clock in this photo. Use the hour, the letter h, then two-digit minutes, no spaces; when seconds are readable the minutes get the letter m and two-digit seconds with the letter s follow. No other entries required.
4h42m38s
